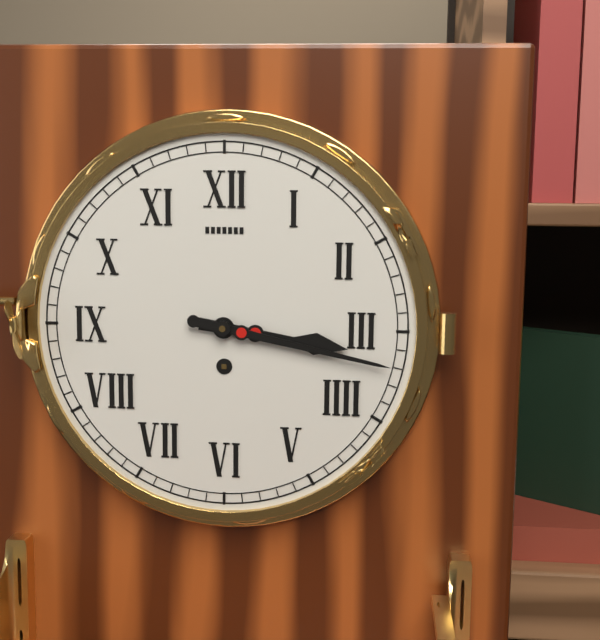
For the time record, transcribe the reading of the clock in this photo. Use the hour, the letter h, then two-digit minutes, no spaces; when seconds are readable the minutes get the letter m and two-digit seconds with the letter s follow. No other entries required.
3h17
